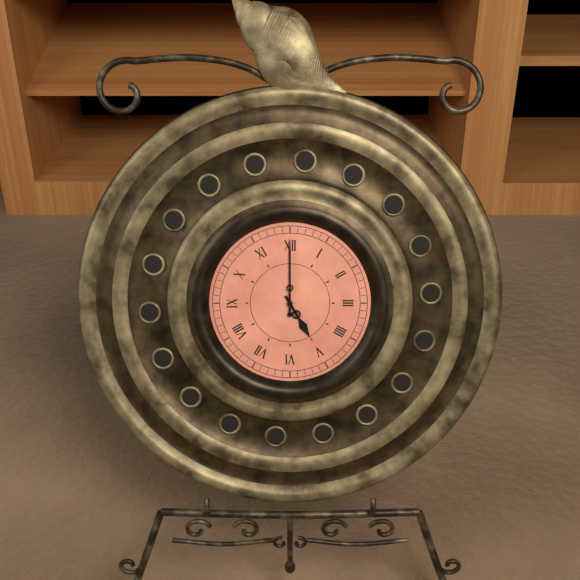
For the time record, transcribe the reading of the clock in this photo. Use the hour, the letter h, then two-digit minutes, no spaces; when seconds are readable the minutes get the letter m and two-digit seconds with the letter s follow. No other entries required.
5h00
